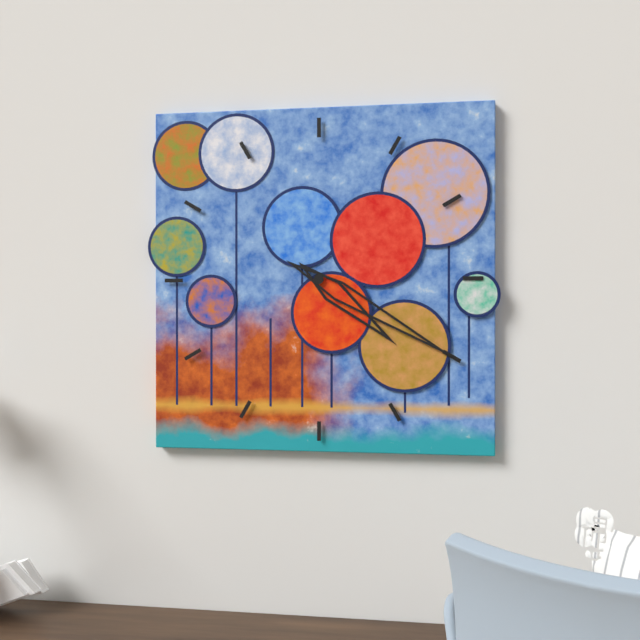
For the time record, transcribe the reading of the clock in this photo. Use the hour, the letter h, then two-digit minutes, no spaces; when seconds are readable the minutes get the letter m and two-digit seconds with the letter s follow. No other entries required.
4h20
